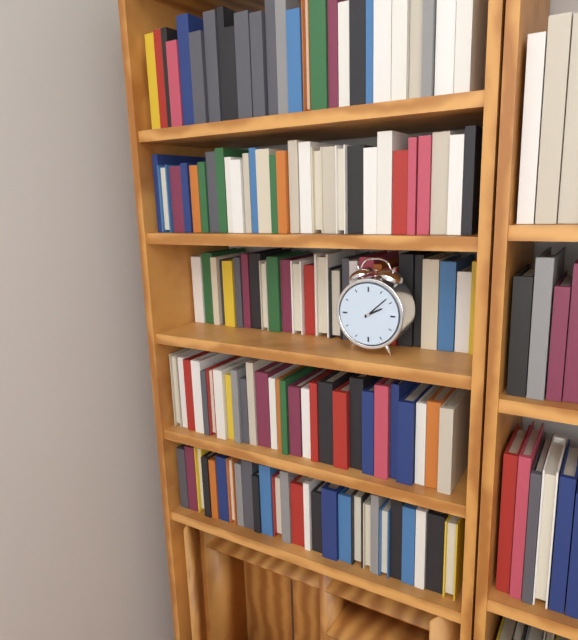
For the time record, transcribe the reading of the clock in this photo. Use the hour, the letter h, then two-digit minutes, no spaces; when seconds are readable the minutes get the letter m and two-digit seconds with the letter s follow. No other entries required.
2h08
